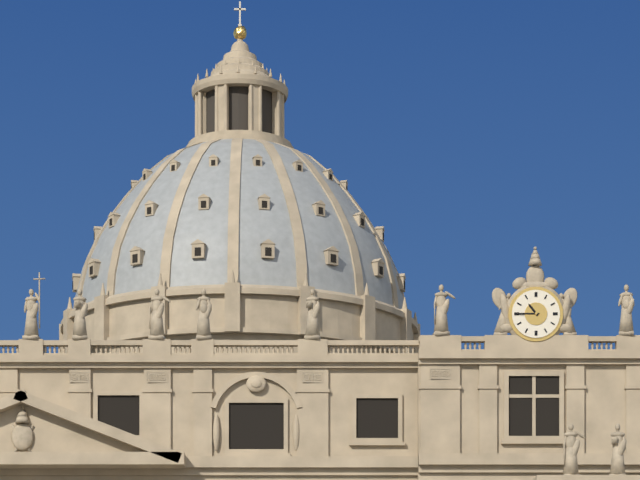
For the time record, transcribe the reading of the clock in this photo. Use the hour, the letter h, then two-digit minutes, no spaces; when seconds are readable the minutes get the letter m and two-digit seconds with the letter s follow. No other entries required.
10h45
